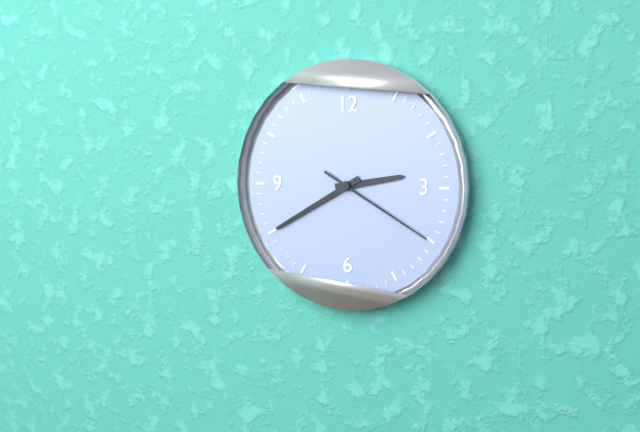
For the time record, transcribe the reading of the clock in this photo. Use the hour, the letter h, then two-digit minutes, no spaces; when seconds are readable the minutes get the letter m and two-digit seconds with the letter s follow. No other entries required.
2h40m20s
